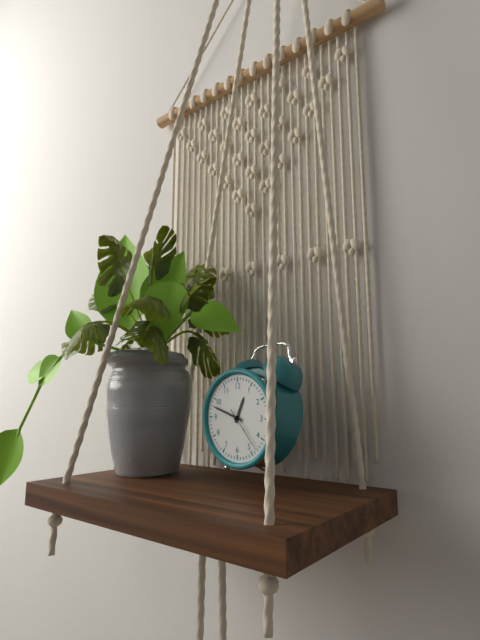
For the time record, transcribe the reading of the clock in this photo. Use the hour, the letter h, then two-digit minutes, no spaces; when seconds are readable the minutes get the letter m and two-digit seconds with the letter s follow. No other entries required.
12h48
